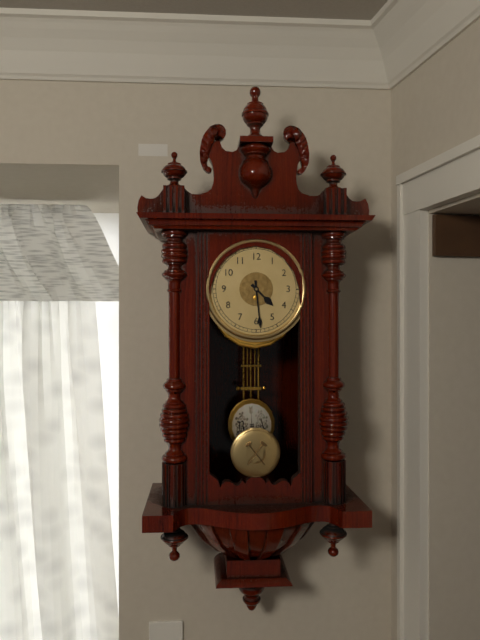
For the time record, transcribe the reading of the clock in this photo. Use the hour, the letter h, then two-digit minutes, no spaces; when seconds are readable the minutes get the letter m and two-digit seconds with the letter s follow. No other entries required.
4h29
